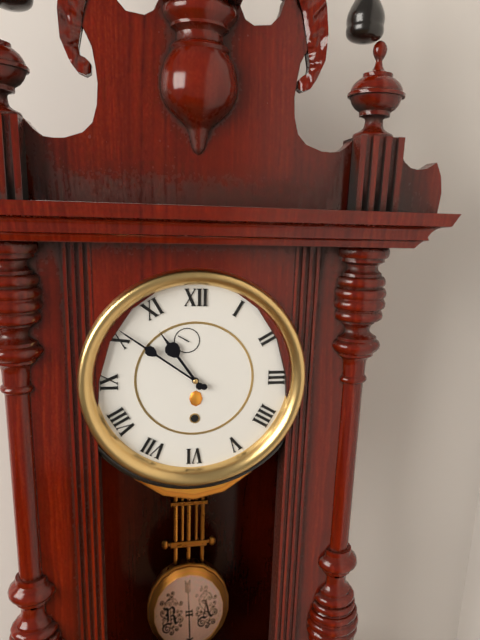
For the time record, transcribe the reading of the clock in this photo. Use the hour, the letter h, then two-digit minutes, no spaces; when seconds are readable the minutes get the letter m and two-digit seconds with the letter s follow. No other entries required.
10h51
